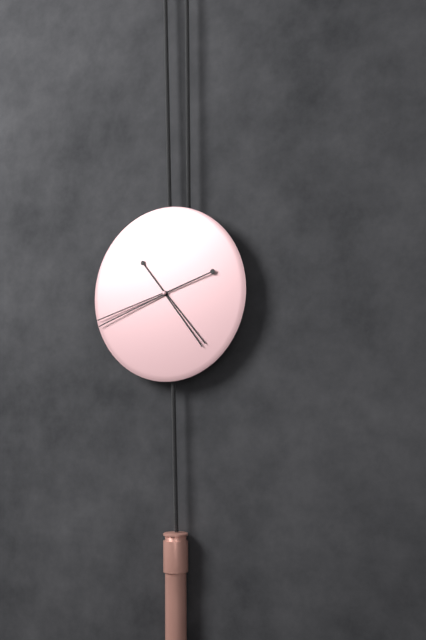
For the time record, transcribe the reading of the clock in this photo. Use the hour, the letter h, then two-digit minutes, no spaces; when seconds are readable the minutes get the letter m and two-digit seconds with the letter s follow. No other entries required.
4h42
